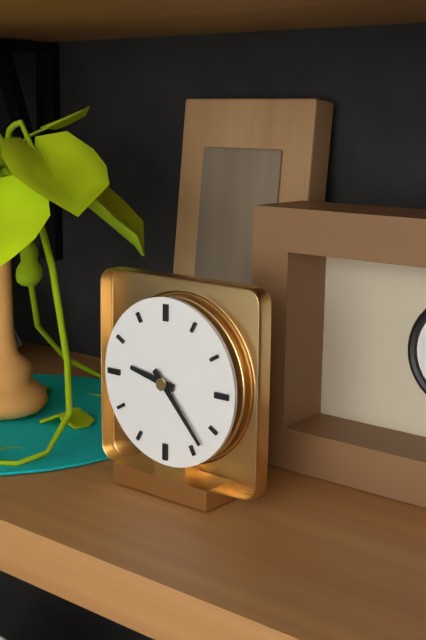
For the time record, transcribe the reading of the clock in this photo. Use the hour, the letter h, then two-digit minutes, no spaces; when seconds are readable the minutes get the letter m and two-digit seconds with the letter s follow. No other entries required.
9h23
